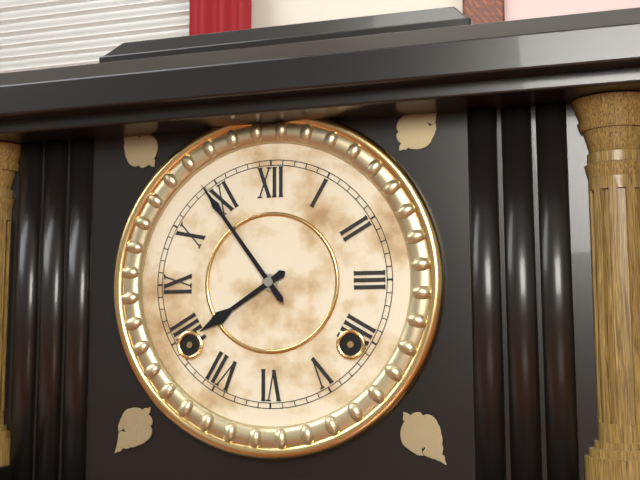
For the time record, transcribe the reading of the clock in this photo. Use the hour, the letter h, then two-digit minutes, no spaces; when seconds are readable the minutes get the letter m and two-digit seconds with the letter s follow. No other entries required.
7h54
